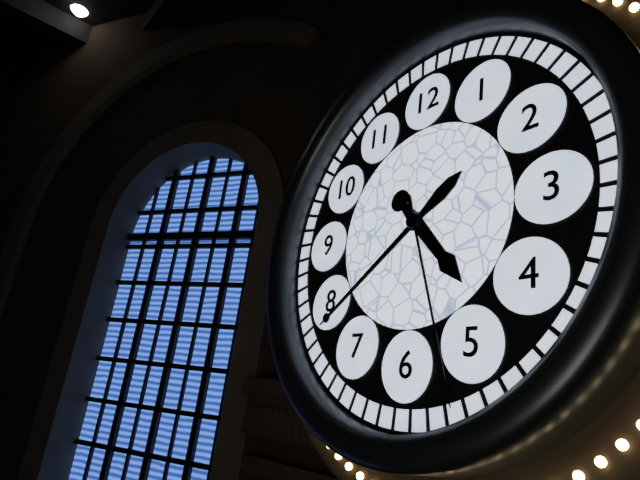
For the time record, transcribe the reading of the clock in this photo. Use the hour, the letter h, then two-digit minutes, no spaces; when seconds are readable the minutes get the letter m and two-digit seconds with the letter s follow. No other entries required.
4h39m27s
